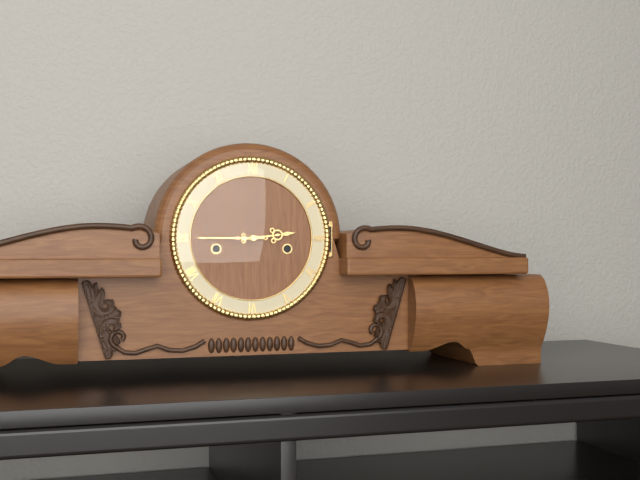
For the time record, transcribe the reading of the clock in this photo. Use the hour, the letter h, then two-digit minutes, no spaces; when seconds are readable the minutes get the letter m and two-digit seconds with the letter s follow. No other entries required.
2h45
